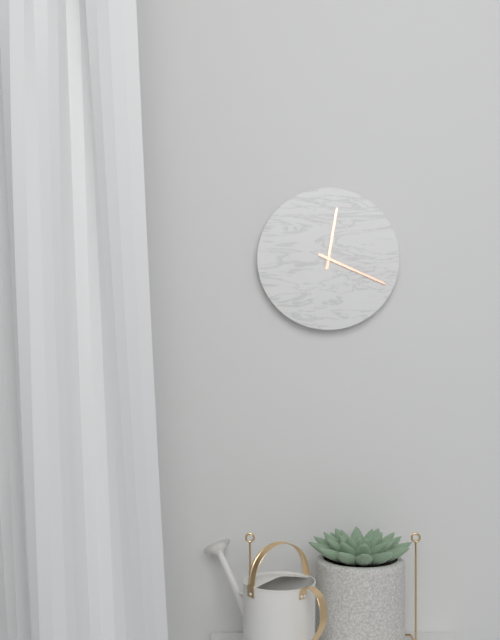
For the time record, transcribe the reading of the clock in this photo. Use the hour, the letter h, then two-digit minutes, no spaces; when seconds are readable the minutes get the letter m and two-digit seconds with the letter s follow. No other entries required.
12h19
